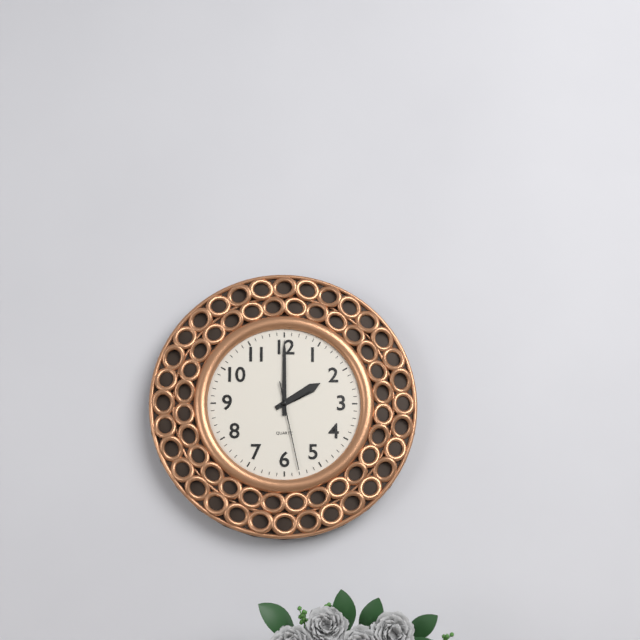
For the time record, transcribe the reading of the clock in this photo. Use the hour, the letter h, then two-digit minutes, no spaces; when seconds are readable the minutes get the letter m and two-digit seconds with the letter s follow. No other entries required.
2h00m28s
